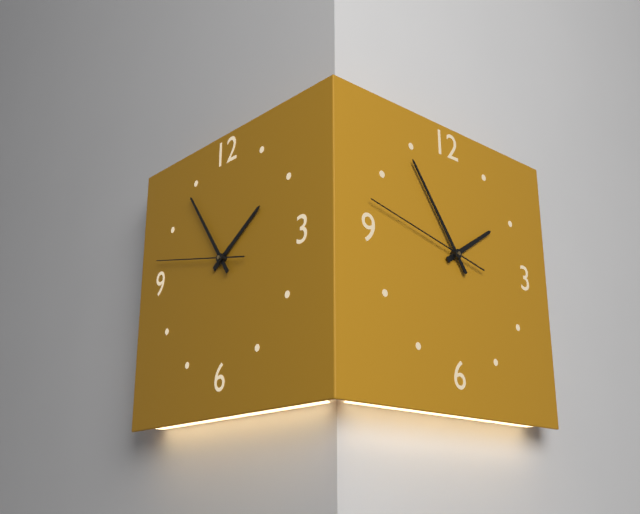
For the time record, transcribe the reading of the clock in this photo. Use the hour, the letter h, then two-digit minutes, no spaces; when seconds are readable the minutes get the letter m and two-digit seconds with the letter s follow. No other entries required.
1h54m47s
